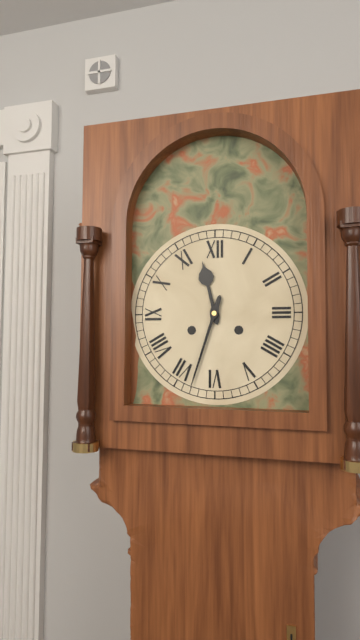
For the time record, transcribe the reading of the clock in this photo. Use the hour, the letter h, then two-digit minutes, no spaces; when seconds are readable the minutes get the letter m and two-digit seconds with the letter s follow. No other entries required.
11h33
